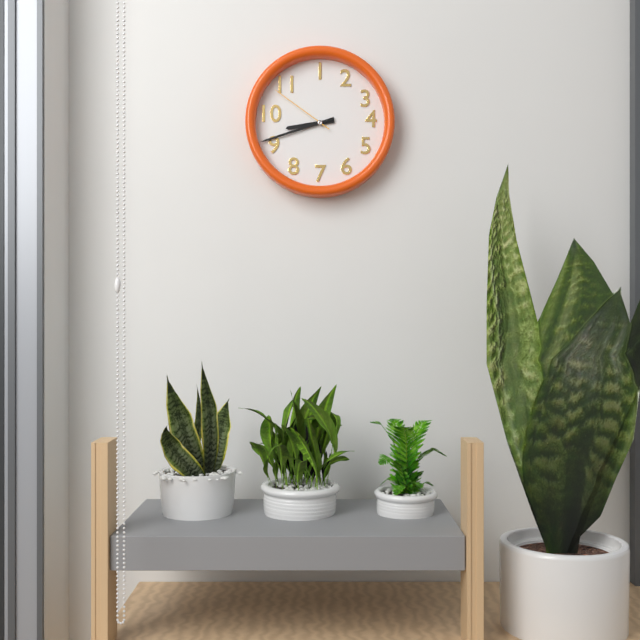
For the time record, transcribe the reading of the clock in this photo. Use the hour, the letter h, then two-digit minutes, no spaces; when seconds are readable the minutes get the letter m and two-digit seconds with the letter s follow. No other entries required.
8h42m51s
